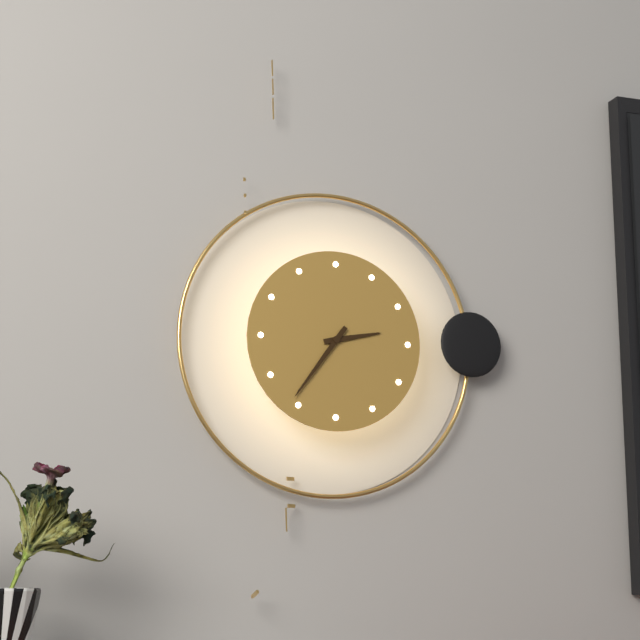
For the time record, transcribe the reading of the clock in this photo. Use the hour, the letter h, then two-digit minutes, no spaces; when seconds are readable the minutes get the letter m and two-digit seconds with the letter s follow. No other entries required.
2h36
